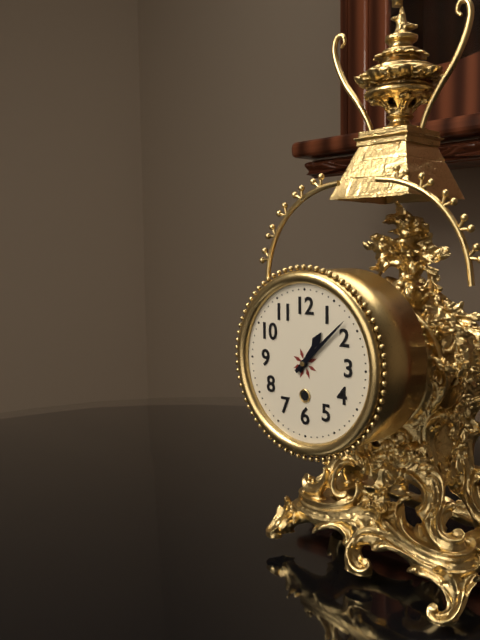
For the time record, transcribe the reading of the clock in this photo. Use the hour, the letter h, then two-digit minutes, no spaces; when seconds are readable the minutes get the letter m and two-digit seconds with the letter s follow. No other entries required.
1h08
